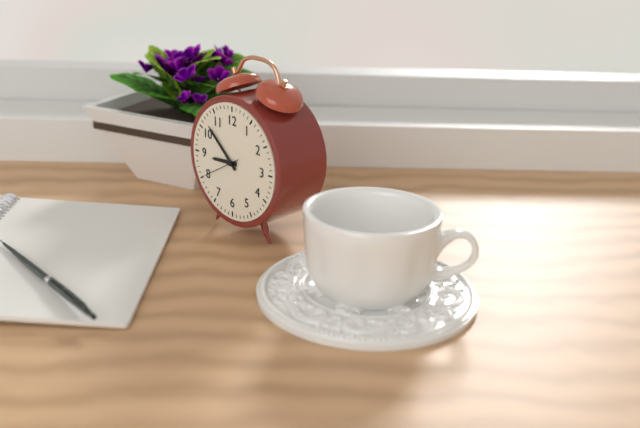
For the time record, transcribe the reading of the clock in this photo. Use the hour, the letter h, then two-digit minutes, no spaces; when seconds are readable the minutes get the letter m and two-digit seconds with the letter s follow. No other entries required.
8h52
